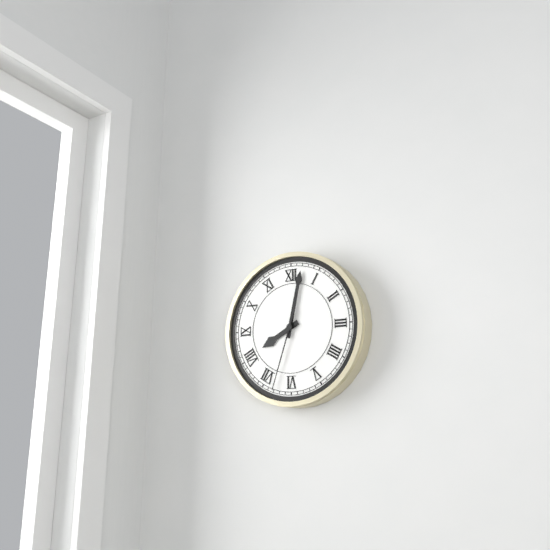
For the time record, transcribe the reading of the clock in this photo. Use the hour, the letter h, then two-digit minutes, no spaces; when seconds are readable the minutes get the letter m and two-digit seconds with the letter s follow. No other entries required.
8h02m33s
